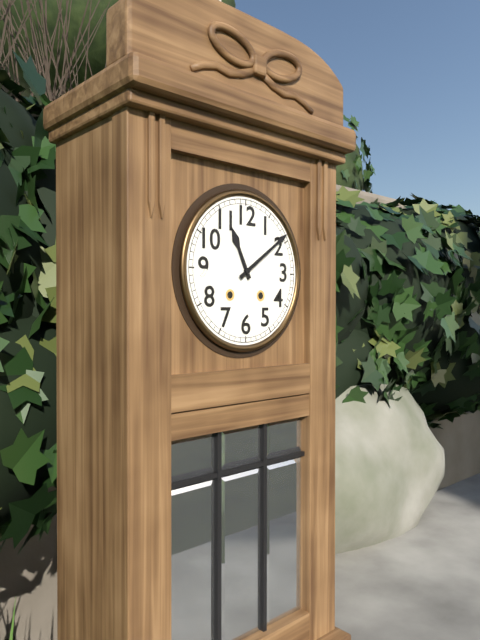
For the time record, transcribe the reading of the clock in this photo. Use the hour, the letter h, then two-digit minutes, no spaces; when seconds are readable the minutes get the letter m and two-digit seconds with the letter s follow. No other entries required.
11h09
